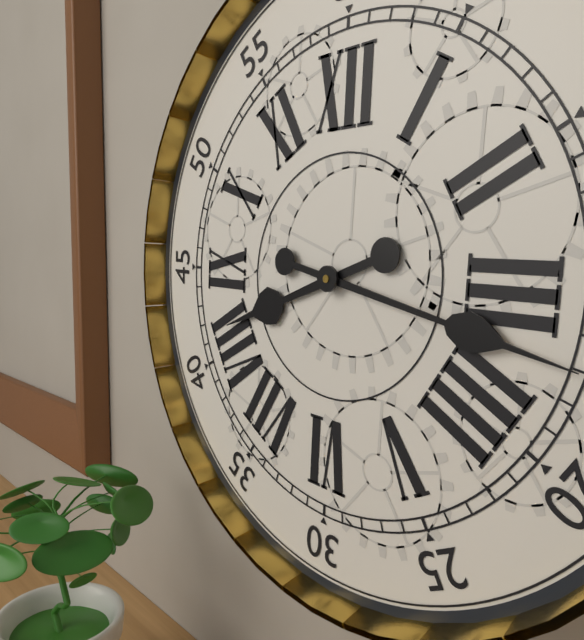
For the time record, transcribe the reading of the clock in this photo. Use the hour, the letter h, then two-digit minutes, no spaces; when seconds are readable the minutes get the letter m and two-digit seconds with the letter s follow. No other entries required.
8h17
